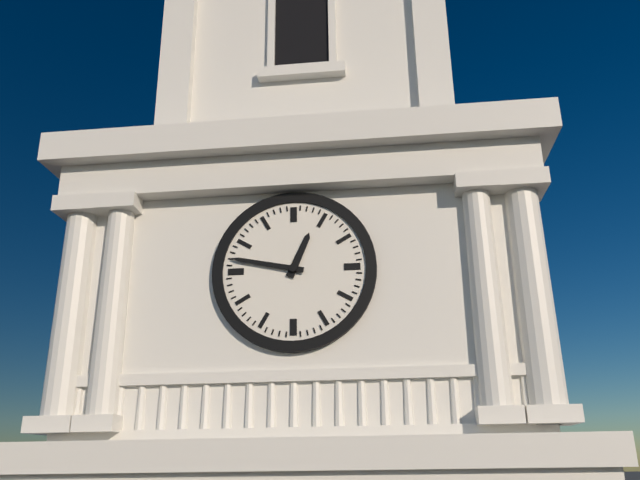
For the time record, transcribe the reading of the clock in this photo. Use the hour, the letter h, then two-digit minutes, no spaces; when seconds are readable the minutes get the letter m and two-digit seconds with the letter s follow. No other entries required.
12h47
